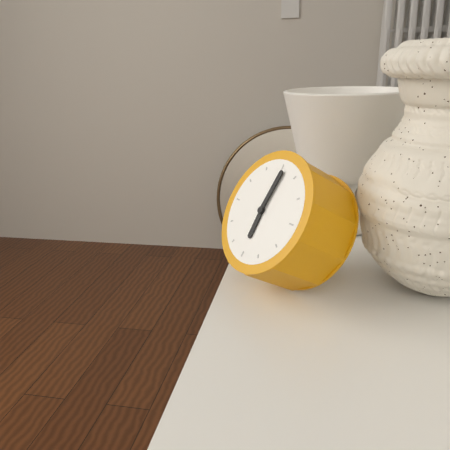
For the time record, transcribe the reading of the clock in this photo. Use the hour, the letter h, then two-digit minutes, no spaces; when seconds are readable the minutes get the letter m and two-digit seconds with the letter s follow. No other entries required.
6h01
